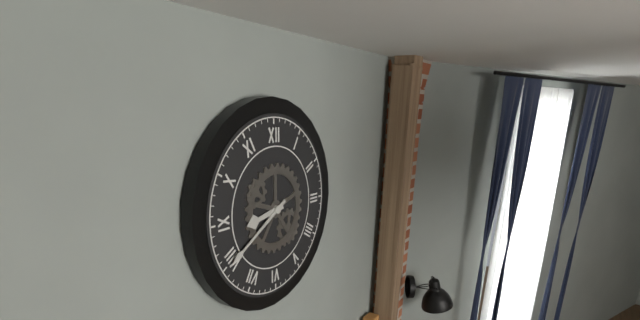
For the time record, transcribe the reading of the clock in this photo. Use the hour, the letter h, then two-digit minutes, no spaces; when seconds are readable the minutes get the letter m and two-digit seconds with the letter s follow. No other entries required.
8h40
